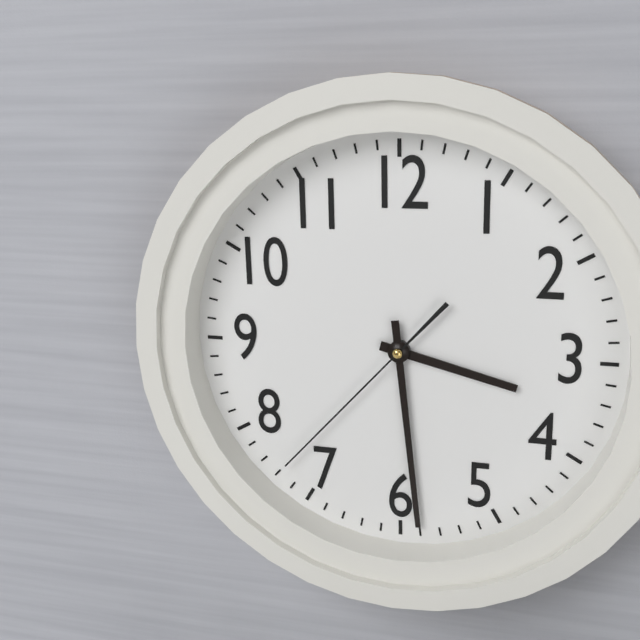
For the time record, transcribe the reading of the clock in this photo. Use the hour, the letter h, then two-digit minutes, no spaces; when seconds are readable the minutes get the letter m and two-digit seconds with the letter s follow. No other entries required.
3h29m37s
